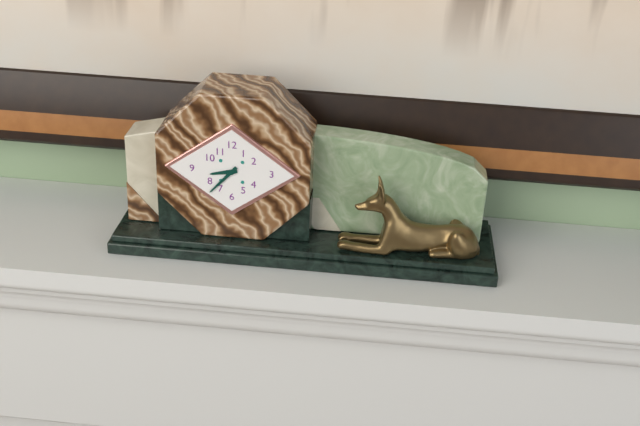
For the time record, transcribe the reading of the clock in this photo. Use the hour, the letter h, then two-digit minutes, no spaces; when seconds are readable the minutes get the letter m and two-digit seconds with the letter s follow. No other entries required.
8h37
